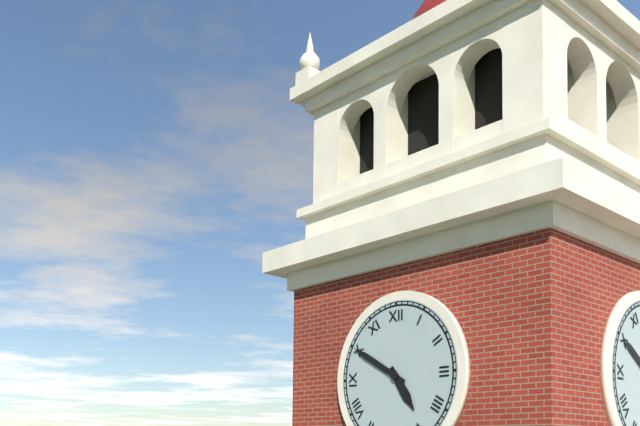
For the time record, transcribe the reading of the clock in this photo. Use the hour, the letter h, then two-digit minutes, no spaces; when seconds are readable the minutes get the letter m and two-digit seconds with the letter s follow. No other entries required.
4h50
